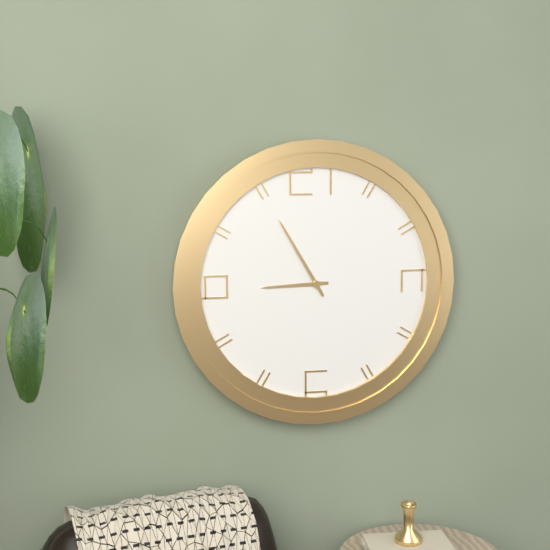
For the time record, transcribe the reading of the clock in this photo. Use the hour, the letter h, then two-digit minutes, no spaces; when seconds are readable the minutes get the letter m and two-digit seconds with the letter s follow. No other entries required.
8h55
